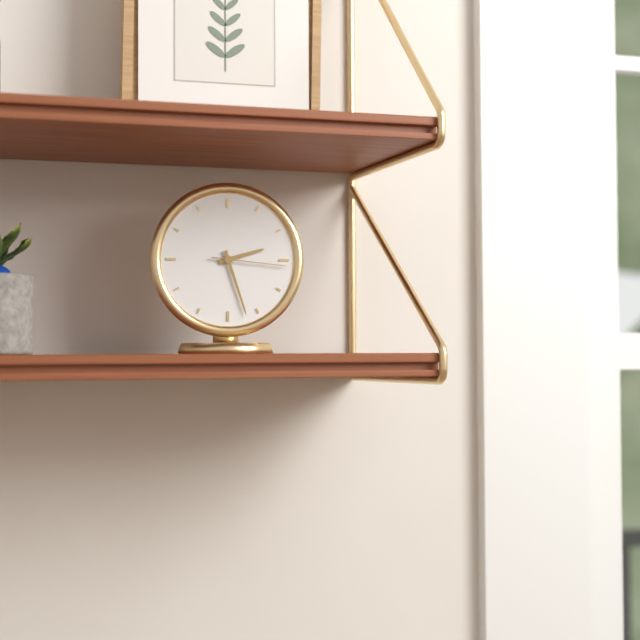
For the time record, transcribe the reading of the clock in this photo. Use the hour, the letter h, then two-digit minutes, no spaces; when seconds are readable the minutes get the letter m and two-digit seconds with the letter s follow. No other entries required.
2h27m16s
